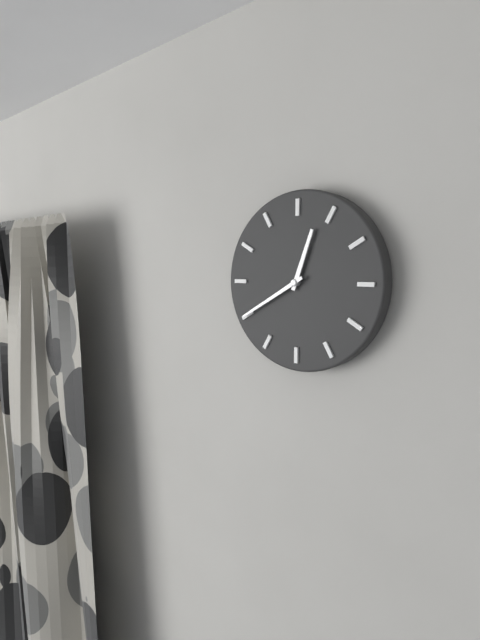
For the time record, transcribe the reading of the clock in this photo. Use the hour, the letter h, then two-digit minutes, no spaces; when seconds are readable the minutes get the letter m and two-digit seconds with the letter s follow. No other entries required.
12h40
